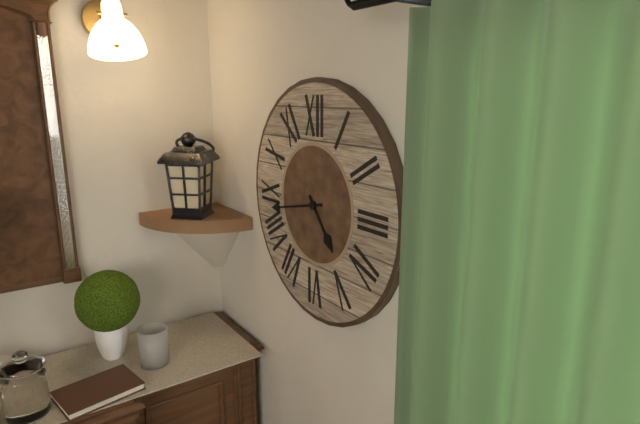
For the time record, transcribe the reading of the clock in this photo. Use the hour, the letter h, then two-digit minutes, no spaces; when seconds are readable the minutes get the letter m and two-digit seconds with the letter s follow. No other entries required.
4h43
